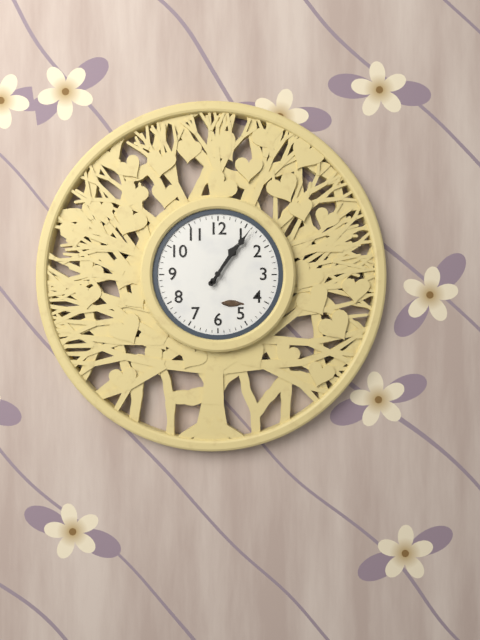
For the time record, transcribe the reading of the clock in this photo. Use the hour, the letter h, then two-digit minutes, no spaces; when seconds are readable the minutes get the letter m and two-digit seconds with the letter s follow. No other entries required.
1h06
